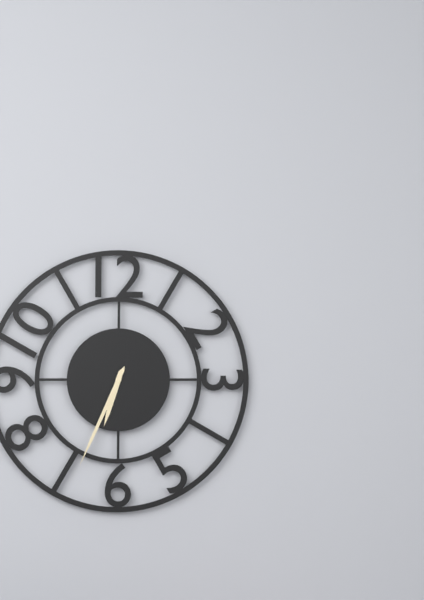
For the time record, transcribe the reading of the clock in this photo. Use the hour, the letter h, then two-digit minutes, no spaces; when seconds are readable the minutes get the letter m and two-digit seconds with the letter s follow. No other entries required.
6h34
